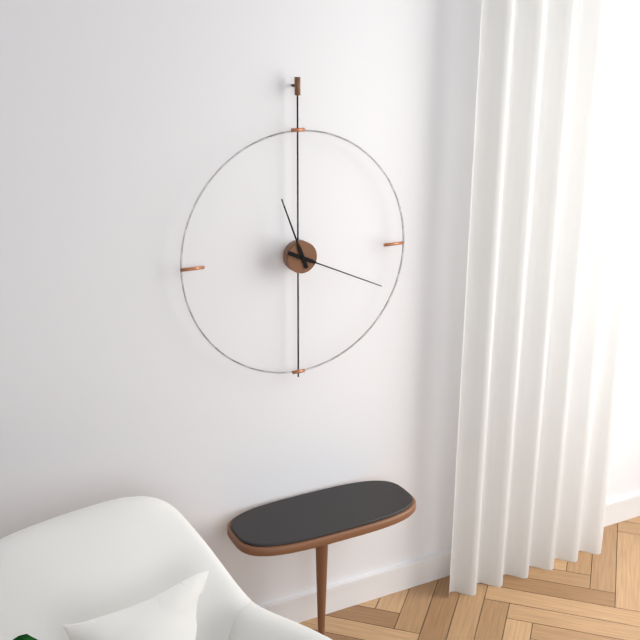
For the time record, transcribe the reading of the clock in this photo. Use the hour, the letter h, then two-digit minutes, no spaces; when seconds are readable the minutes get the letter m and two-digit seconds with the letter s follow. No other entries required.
11h19
